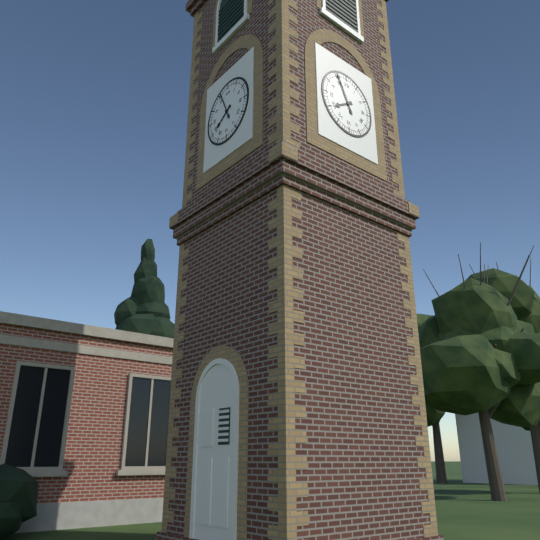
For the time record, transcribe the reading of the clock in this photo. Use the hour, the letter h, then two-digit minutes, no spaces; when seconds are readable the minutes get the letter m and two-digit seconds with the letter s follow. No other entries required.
7h56
